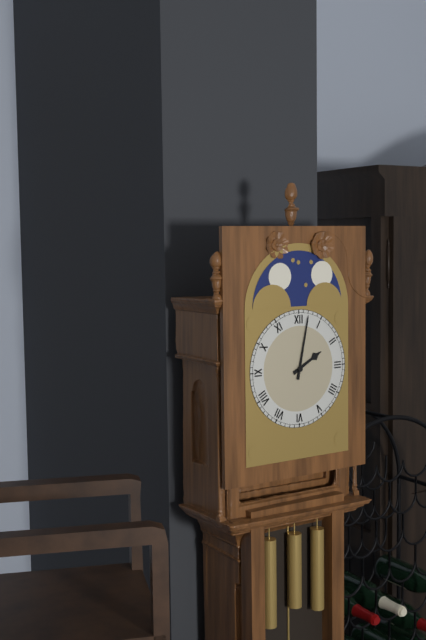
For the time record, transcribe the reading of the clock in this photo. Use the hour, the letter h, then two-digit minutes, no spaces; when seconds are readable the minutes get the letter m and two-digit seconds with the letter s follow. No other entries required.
2h02
